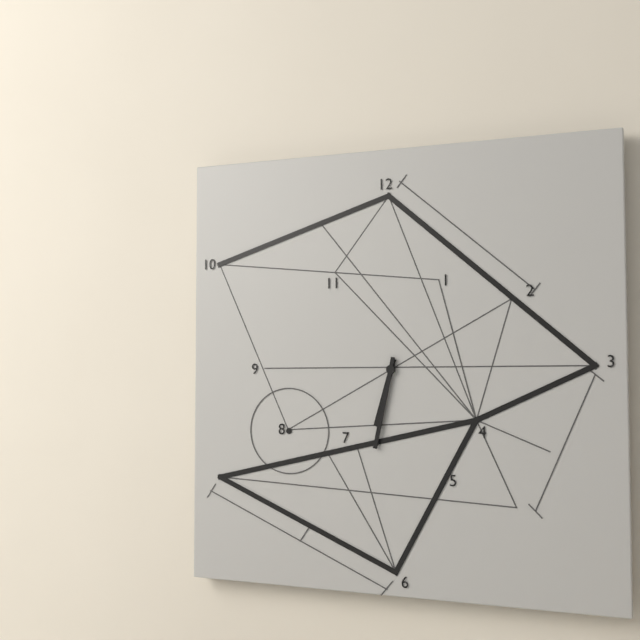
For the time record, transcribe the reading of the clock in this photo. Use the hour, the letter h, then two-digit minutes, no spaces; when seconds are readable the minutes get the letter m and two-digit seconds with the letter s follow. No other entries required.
6h32
